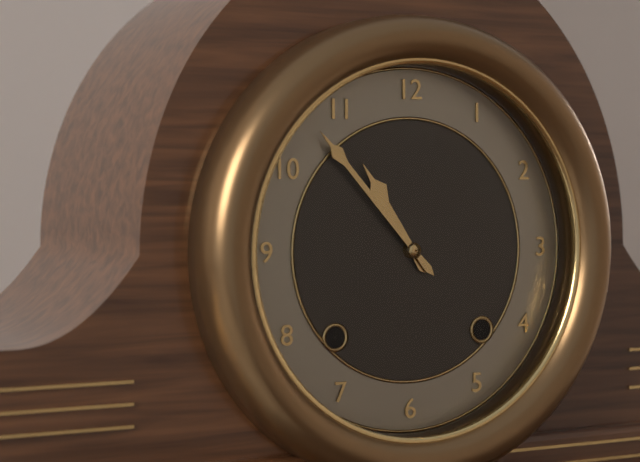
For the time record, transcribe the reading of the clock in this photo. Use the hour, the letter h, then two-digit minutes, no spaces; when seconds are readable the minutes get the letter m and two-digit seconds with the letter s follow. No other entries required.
10h53
